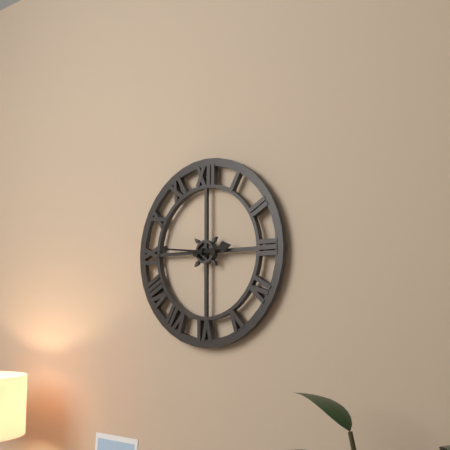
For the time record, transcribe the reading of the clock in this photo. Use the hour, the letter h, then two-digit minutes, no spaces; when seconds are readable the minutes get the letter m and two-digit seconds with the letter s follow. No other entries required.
2h46
